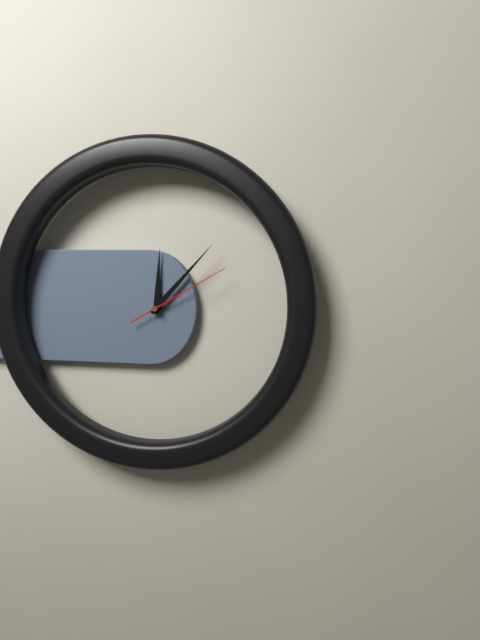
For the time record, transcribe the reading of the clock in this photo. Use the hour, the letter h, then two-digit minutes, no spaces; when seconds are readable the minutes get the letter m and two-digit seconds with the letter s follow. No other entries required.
12h07m10s
